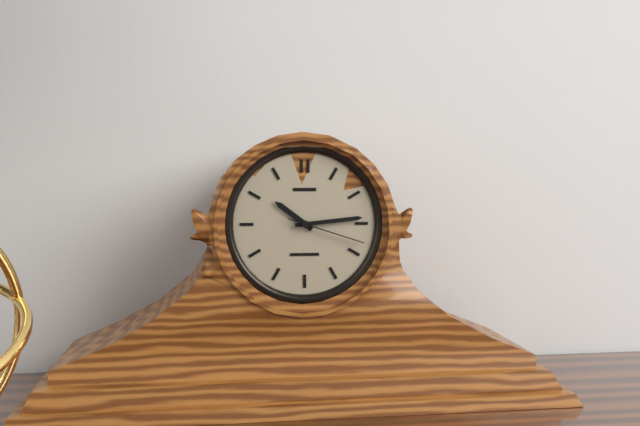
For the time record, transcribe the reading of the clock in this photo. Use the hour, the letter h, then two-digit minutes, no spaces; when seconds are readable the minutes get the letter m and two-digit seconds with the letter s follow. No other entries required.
10h14m18s
